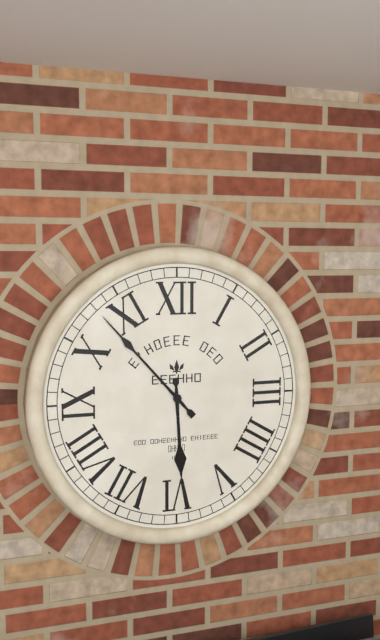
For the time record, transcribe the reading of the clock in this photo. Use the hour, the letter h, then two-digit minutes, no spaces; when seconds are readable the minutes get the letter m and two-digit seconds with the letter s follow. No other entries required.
5h53
